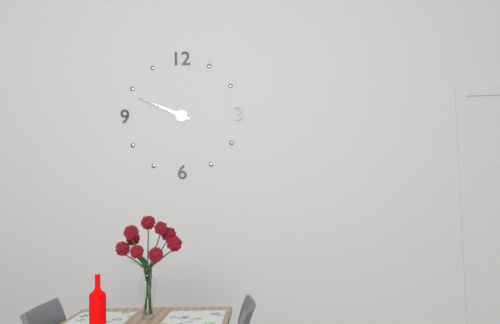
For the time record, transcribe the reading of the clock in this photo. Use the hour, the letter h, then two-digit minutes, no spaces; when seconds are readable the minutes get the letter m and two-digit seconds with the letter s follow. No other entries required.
9h49
